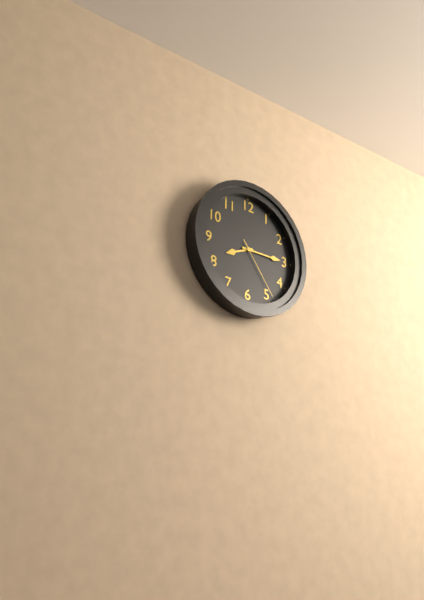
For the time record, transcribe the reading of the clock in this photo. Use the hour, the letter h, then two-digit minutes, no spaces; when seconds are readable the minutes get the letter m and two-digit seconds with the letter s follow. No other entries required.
8h15m24s
